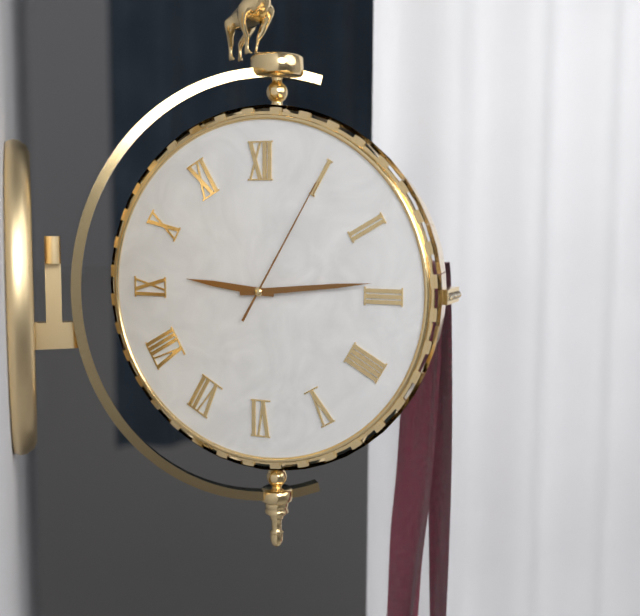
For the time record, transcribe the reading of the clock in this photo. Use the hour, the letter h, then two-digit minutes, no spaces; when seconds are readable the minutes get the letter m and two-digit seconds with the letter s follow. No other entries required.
9h14m05s
